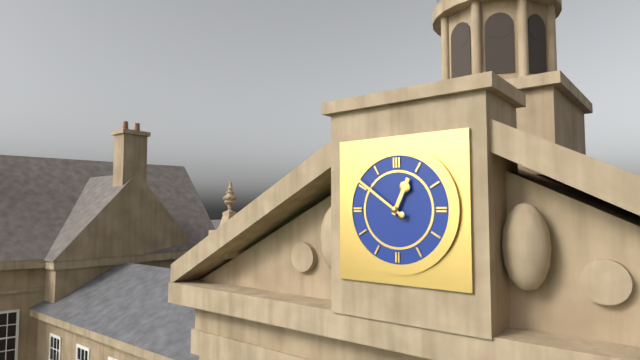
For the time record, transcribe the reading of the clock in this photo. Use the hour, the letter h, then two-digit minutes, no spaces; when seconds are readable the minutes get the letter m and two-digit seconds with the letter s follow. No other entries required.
12h51
